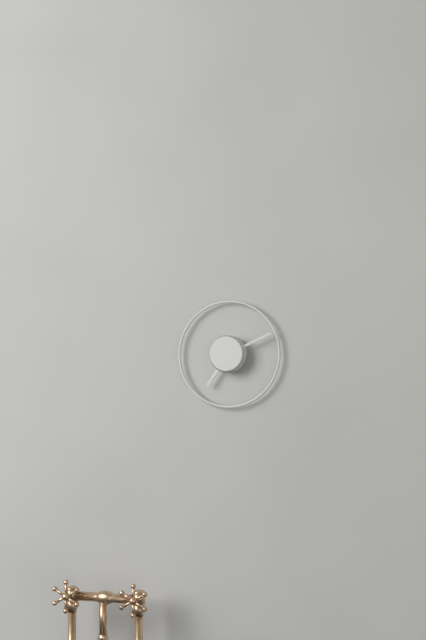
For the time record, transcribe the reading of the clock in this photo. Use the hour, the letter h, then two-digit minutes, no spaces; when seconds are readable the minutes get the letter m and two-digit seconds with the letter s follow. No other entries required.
7h11
